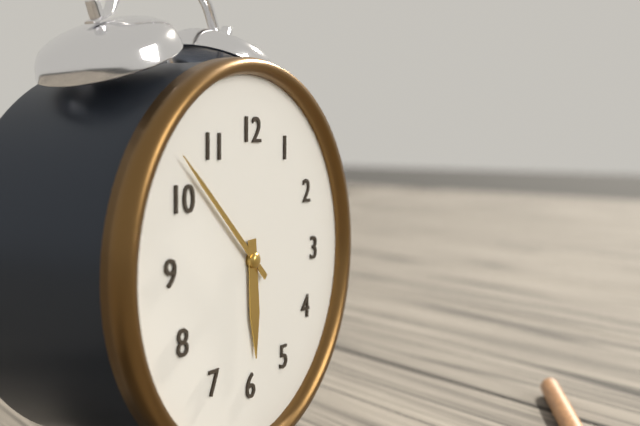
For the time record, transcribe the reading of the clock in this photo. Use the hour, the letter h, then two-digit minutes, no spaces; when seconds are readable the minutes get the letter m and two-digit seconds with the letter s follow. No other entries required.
5h52
